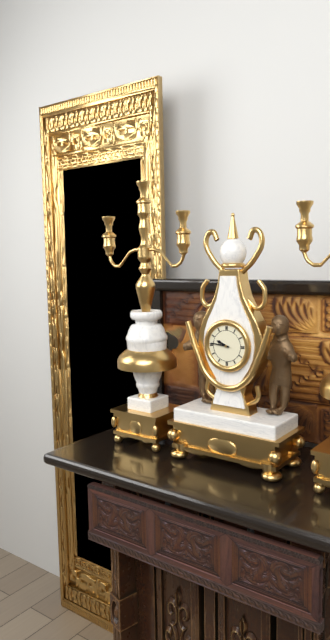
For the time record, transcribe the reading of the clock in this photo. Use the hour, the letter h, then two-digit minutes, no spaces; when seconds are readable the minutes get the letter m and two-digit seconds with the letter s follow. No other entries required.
9h46
